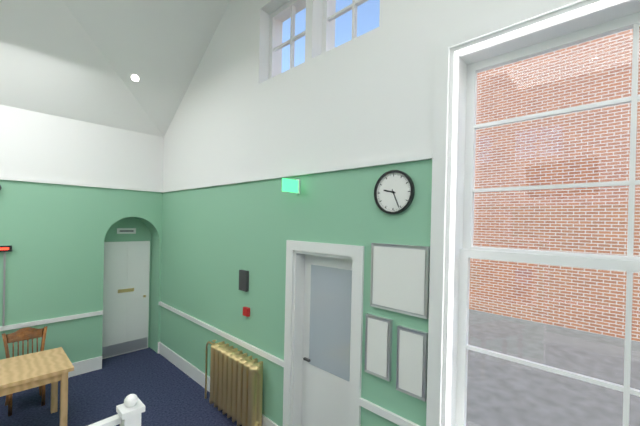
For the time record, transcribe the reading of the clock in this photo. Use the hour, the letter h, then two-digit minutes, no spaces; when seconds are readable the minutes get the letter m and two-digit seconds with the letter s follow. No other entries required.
9h26
